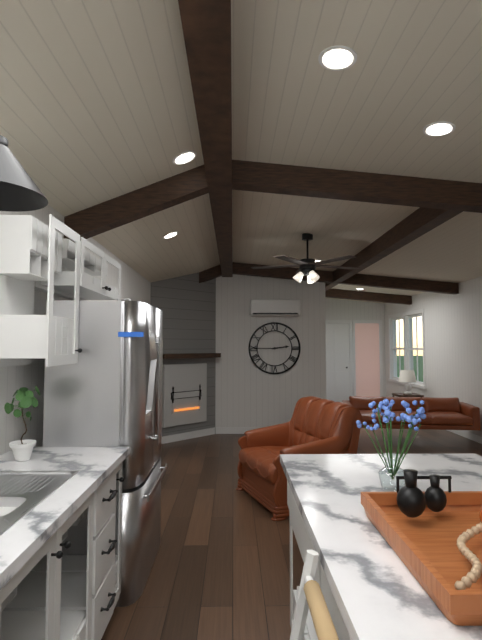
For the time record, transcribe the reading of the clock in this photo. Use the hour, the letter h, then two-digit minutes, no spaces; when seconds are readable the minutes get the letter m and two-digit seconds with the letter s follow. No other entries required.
2h45
